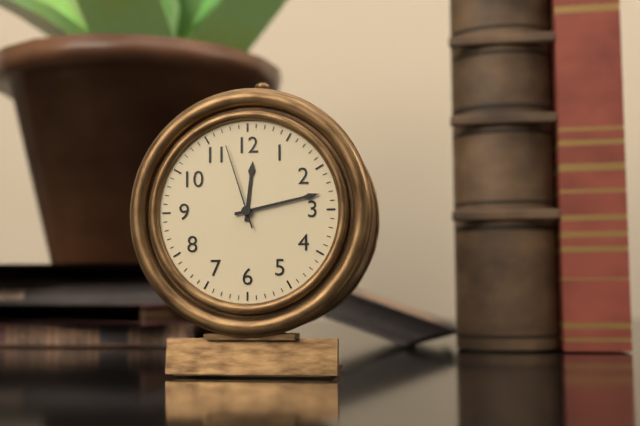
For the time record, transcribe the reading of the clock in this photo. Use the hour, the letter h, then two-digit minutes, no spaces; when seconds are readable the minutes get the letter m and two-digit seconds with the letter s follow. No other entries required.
12h13m57s
